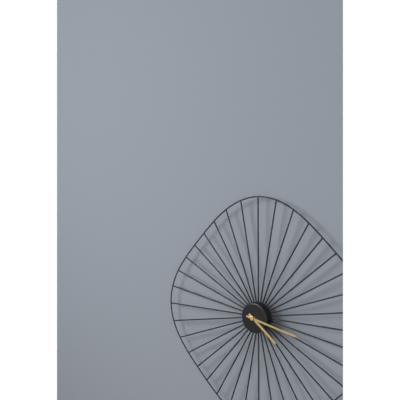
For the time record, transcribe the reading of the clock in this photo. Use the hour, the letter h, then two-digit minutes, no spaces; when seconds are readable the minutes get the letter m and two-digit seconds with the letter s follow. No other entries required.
4h17
